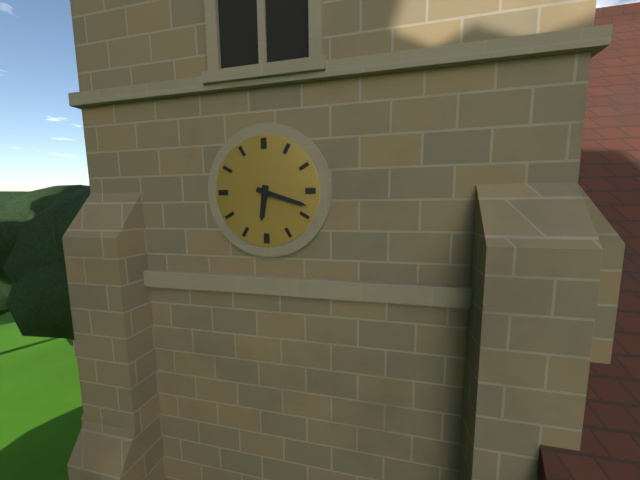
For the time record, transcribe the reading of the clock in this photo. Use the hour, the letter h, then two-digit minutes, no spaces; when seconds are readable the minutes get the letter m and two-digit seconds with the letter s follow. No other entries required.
6h18
